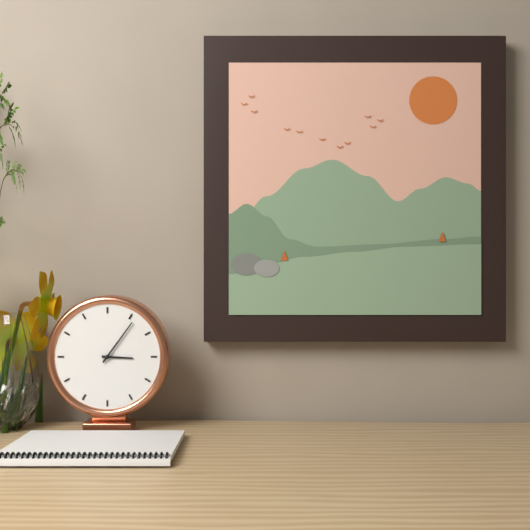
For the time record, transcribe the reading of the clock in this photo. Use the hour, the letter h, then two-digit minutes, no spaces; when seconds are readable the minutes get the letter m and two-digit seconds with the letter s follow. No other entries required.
3h06
